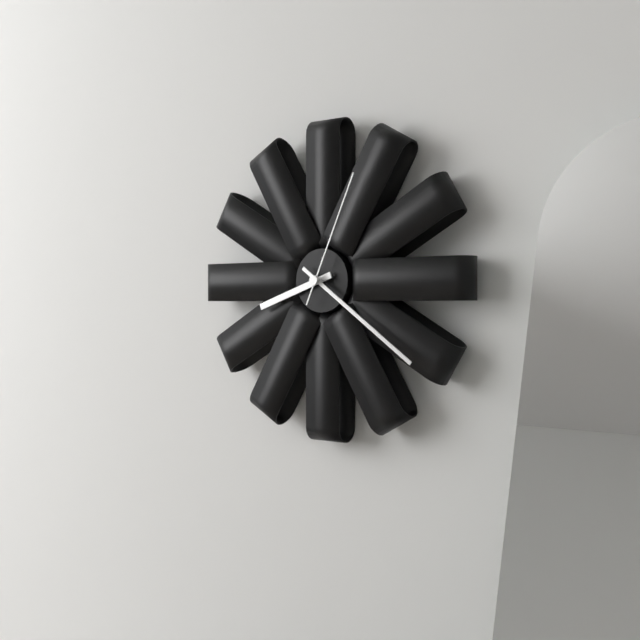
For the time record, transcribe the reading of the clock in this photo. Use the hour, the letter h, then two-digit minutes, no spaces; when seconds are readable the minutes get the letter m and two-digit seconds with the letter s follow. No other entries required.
8h21m04s
